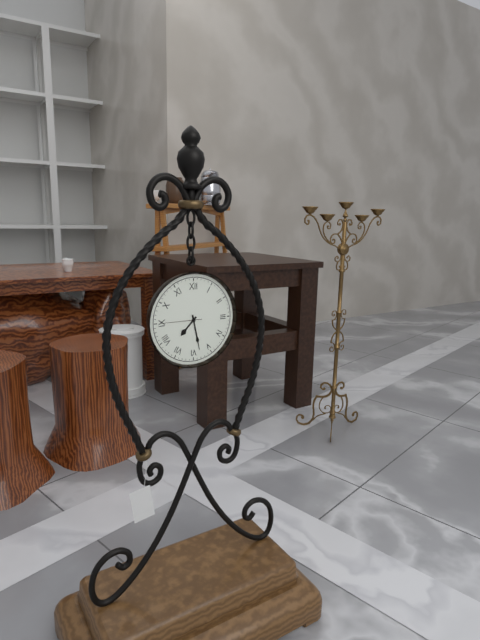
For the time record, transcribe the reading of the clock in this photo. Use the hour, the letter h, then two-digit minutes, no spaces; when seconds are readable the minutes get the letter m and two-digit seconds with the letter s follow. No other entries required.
7h28
